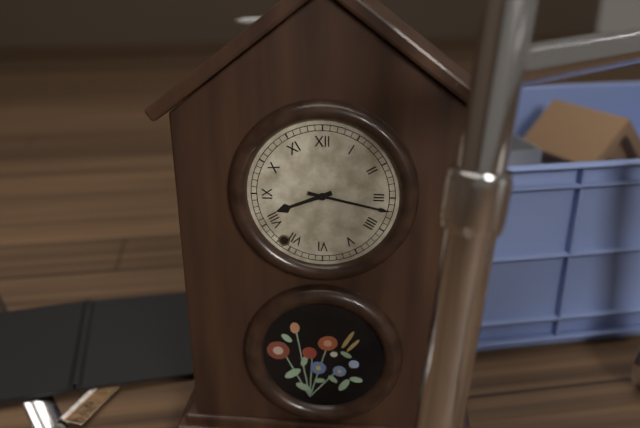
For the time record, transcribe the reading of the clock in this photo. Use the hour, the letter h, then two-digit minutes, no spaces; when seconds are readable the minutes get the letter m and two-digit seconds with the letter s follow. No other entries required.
8h17
